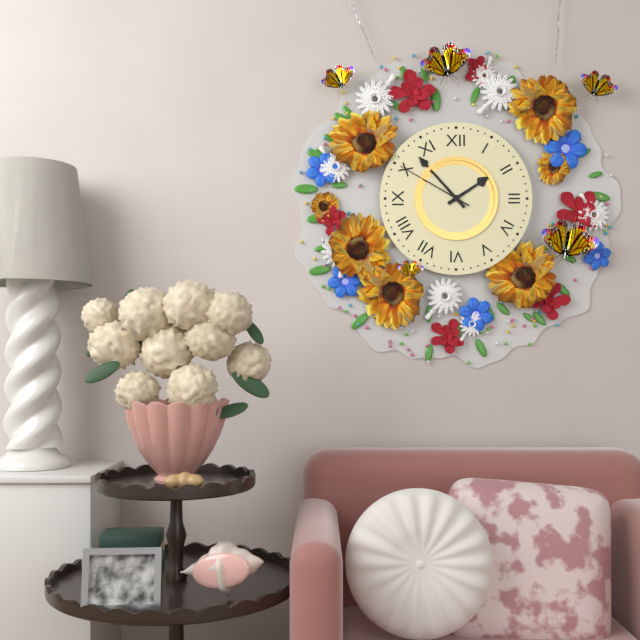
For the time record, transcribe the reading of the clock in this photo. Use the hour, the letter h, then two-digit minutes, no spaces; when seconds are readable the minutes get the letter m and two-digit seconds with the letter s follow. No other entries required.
1h53m50s
